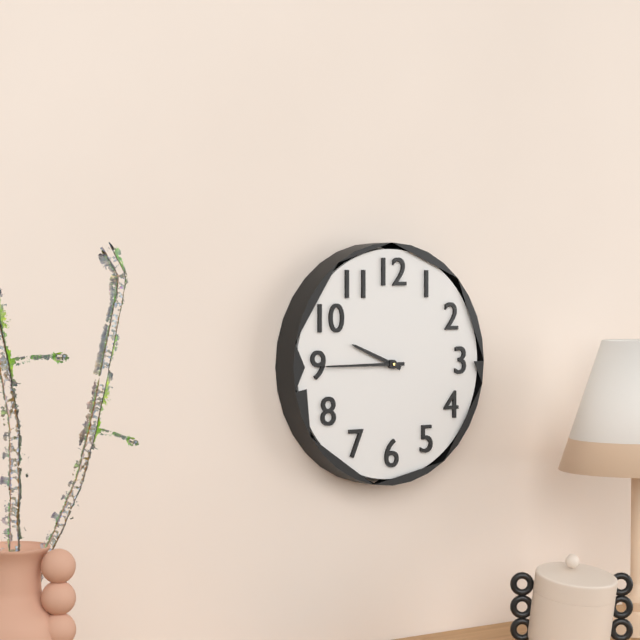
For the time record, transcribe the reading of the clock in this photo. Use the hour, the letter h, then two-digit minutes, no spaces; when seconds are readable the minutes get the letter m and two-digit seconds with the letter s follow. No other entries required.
9h45
